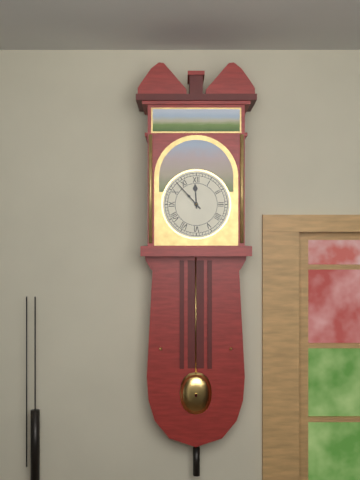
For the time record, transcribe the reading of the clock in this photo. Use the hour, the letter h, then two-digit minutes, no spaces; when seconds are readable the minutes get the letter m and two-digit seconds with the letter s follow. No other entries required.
11h53
